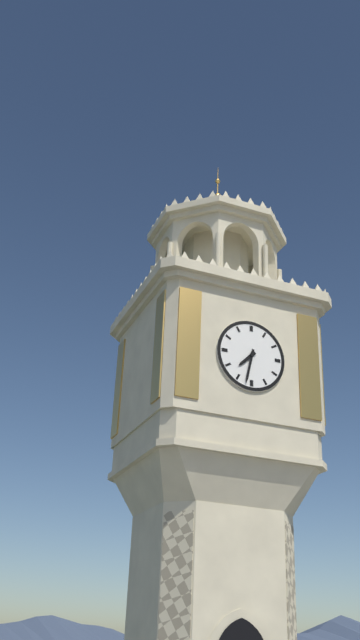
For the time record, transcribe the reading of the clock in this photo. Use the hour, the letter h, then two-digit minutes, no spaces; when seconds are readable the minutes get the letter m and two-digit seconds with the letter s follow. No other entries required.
7h32
